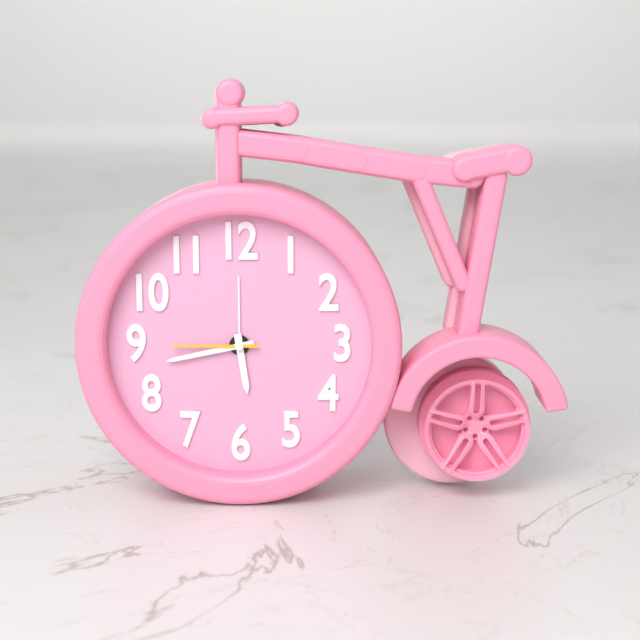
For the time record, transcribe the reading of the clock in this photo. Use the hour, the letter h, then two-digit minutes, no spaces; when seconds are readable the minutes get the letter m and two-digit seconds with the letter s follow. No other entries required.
5h43m45s
